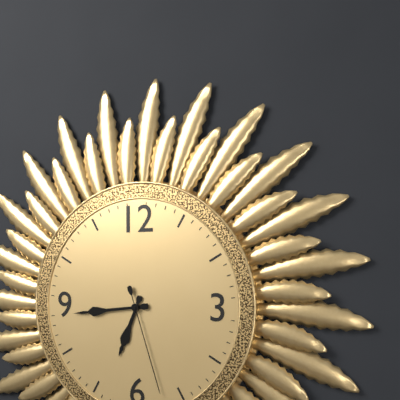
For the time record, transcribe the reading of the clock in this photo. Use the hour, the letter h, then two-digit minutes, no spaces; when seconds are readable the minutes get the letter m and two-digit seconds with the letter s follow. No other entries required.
6h44m27s
